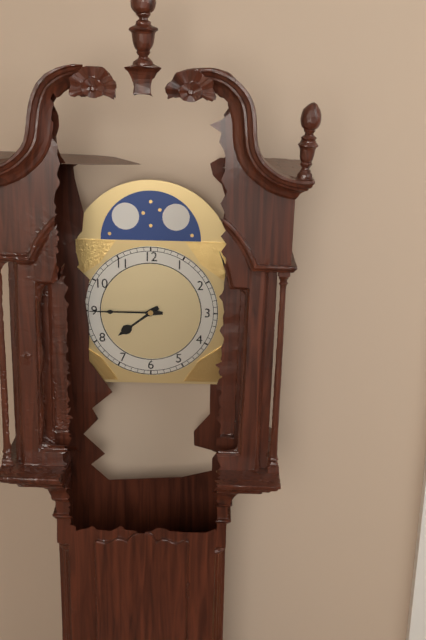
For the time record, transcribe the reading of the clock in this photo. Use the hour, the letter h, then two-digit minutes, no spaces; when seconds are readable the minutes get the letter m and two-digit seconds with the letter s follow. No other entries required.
7h45
